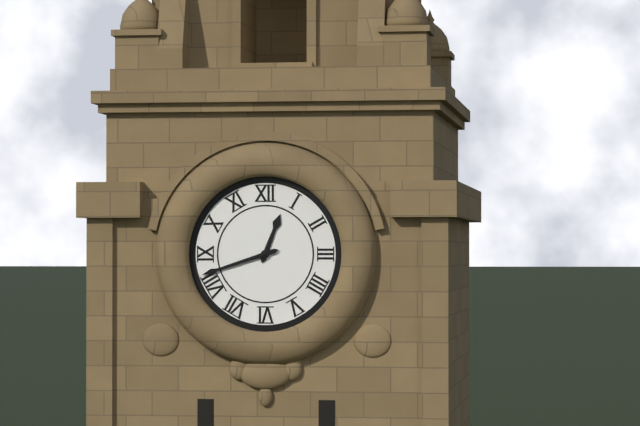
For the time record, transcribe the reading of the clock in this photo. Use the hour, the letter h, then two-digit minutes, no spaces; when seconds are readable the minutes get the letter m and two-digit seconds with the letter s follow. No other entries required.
12h42
